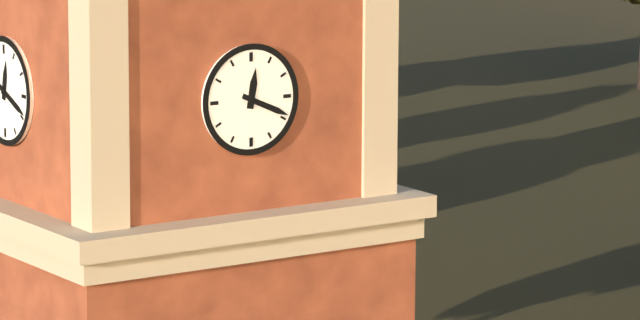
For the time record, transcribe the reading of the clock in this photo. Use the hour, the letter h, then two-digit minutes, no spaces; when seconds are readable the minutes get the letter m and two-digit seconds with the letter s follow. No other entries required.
12h19
